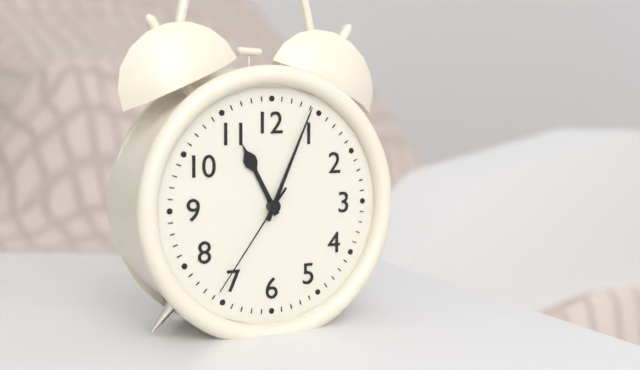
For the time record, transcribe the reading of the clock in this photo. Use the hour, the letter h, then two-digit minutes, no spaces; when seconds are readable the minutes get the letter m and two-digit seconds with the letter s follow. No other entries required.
11h04m36s
